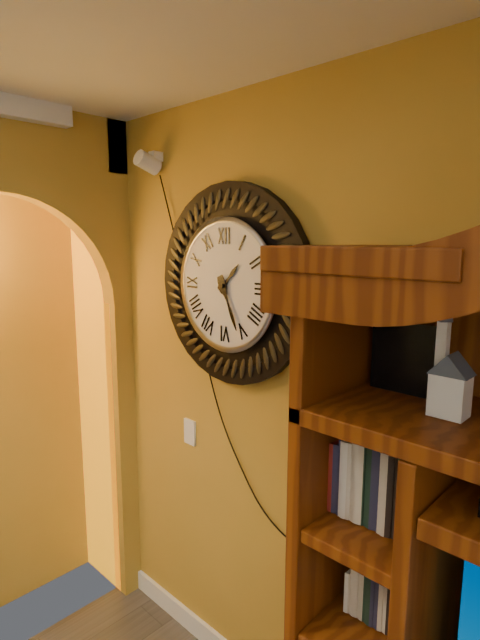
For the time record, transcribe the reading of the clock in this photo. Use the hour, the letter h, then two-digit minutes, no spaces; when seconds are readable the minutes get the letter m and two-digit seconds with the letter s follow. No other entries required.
1h26
